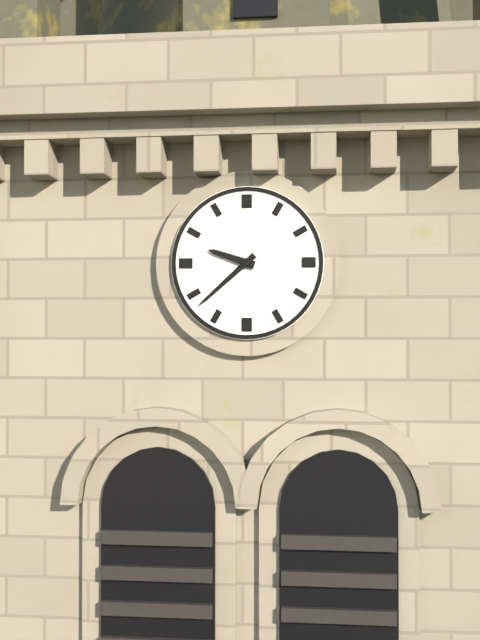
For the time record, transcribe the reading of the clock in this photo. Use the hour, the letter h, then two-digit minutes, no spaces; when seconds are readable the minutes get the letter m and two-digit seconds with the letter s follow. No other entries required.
9h38
